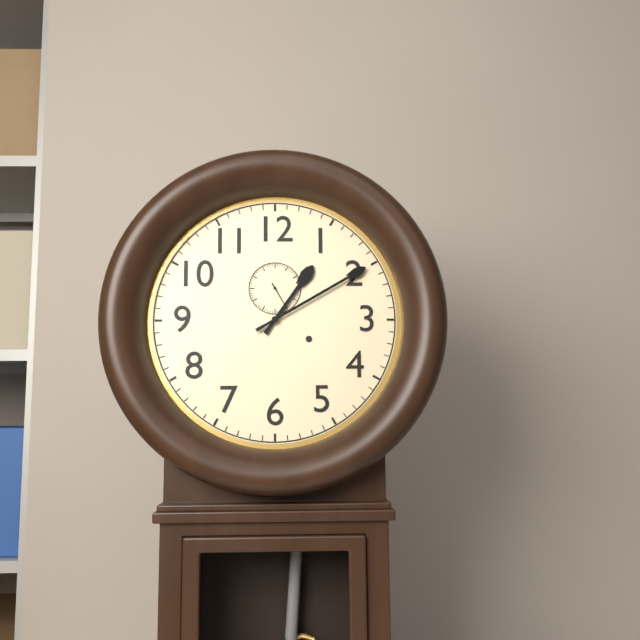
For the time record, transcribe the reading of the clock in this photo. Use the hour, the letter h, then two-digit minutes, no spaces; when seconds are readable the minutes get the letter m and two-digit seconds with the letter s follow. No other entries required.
1h10
